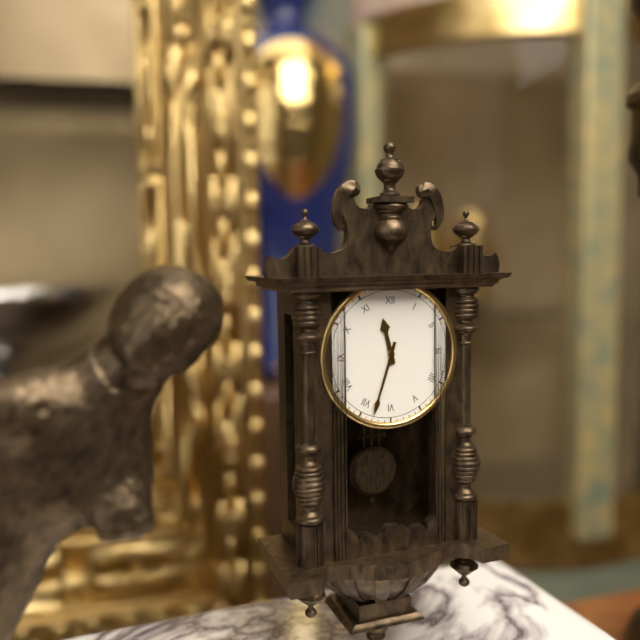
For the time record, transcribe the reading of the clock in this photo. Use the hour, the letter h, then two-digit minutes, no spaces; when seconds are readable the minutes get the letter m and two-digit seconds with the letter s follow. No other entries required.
11h33
